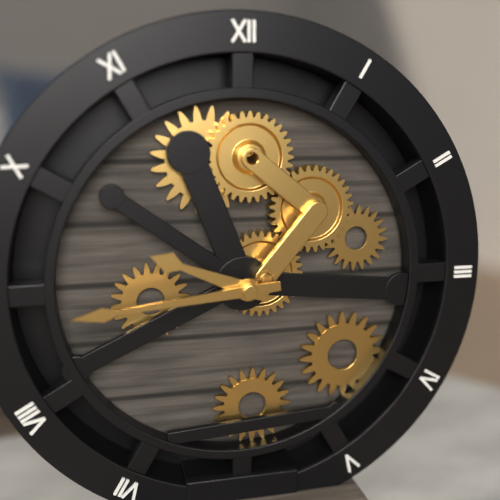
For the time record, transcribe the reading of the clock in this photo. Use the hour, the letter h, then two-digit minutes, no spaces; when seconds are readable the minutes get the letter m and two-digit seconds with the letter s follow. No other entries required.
9h44
